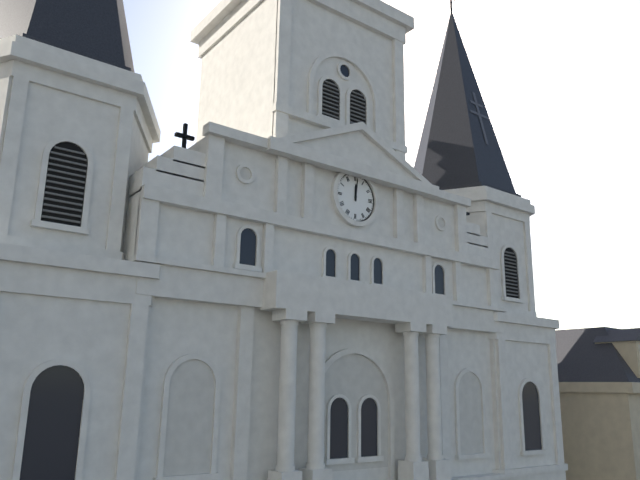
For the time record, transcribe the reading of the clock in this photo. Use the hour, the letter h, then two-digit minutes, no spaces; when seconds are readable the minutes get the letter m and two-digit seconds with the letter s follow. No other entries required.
12h01
